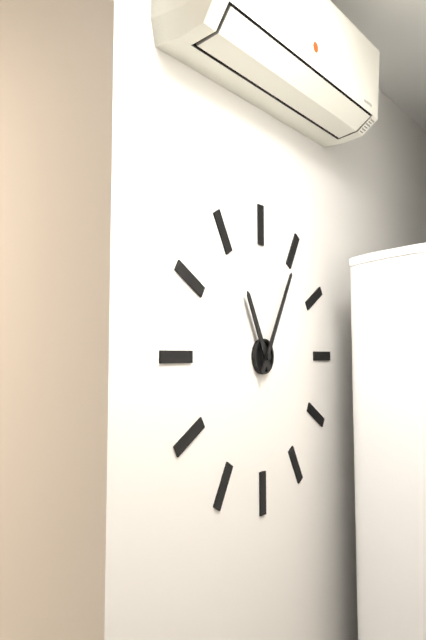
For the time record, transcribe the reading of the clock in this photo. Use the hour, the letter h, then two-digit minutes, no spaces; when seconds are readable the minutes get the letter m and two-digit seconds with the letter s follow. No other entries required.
11h05
